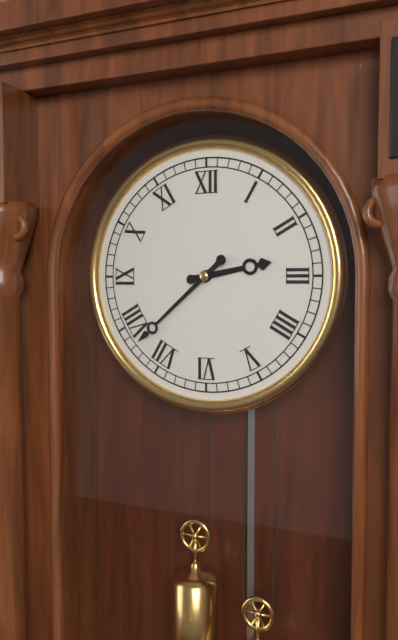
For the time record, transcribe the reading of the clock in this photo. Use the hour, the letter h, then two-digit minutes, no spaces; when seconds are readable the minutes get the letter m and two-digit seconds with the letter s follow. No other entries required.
2h38
